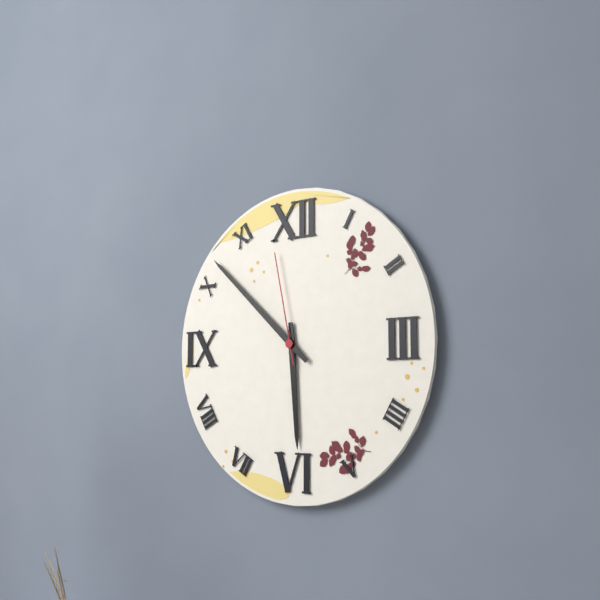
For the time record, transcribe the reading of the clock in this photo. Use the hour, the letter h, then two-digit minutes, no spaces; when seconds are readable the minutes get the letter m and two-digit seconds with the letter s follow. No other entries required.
5h52m58s
